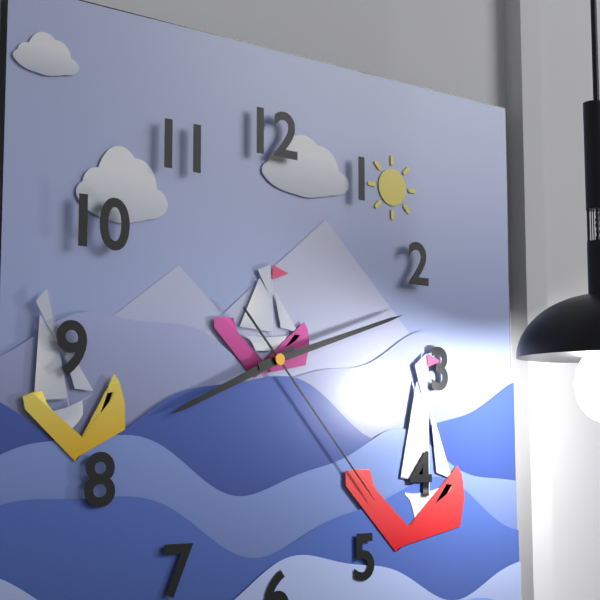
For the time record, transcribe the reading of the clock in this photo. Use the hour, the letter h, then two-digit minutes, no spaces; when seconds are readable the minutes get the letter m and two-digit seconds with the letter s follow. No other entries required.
8h12m23s
